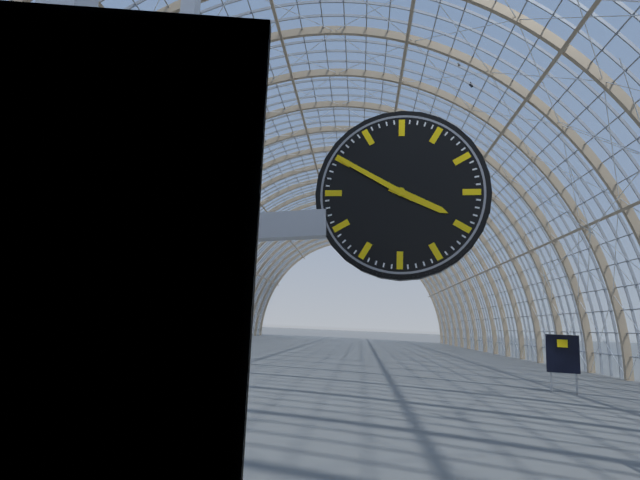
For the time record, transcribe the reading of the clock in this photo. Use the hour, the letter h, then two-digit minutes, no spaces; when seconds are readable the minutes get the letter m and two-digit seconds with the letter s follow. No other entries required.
3h50
